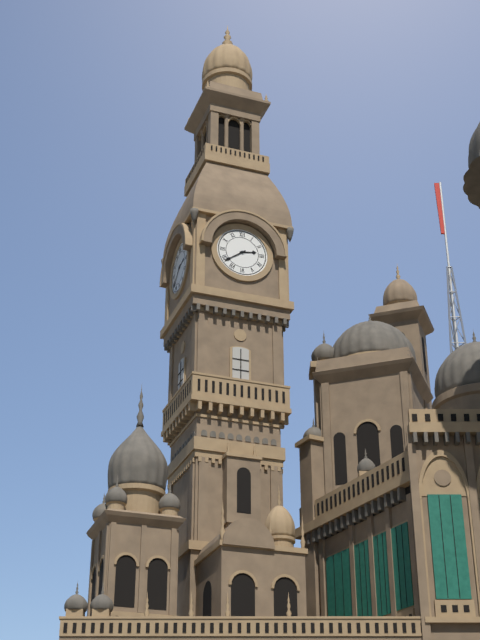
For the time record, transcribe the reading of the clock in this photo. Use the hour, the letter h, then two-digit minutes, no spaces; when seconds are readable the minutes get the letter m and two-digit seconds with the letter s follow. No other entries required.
2h39
